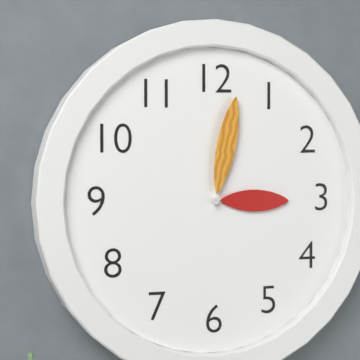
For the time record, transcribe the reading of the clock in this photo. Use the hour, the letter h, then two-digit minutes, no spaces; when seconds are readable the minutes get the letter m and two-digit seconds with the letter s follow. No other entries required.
3h02
